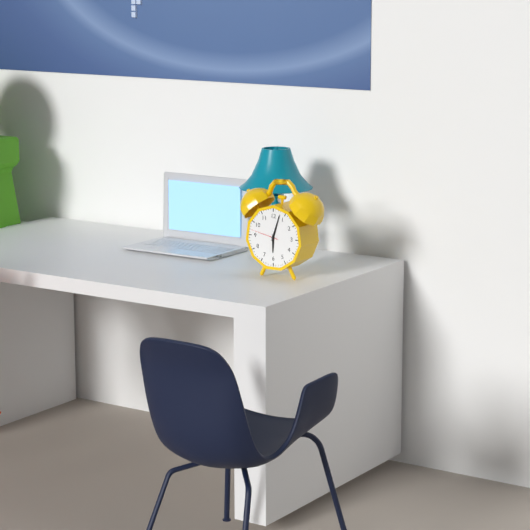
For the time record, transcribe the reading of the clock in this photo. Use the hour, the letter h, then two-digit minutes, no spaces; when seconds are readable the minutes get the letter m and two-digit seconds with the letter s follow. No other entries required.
6h03
